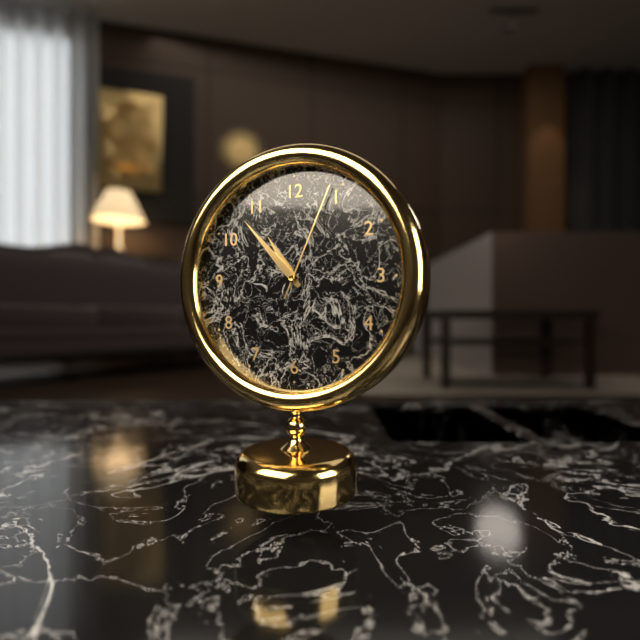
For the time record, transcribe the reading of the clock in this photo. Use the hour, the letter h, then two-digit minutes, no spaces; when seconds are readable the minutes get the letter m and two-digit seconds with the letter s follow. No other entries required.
10h53m04s
